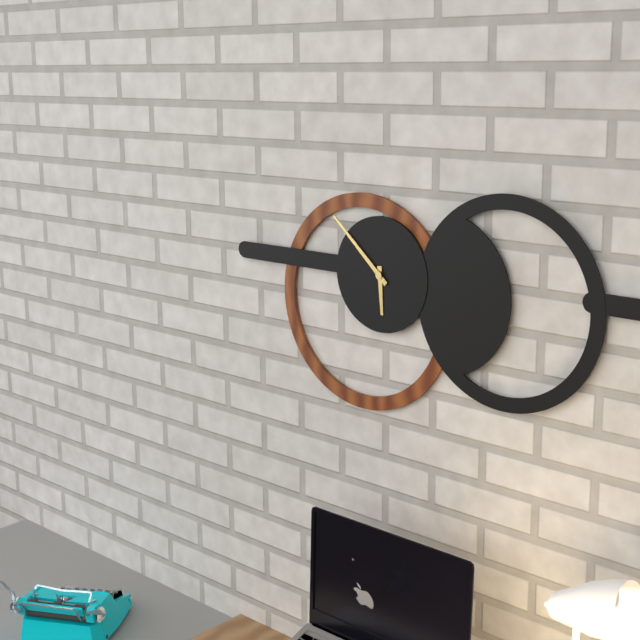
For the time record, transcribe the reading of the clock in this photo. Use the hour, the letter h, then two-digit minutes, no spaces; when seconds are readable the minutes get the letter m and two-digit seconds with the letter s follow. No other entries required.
5h52
